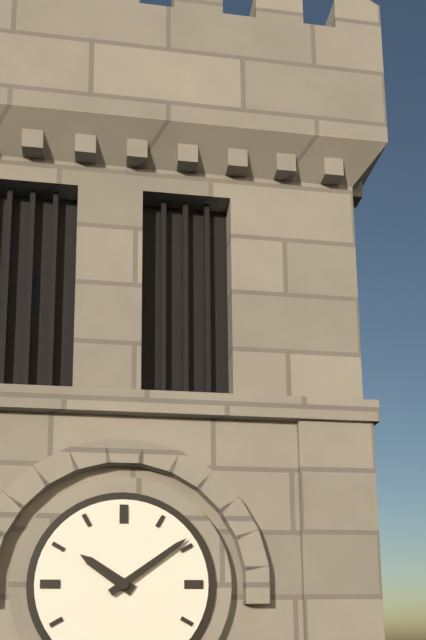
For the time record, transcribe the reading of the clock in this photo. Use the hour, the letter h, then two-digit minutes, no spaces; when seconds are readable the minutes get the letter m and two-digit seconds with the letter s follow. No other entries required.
10h09
